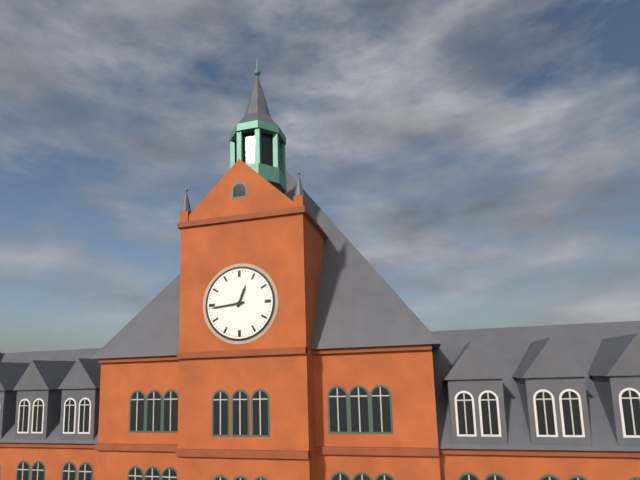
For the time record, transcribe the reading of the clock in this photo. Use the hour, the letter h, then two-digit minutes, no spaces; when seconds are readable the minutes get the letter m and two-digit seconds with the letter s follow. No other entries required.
12h44
